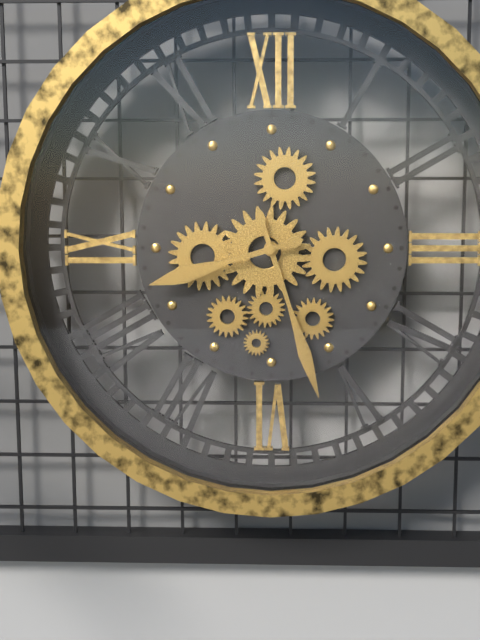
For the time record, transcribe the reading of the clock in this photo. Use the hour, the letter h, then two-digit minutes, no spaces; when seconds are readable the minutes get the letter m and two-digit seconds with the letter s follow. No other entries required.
8h27
